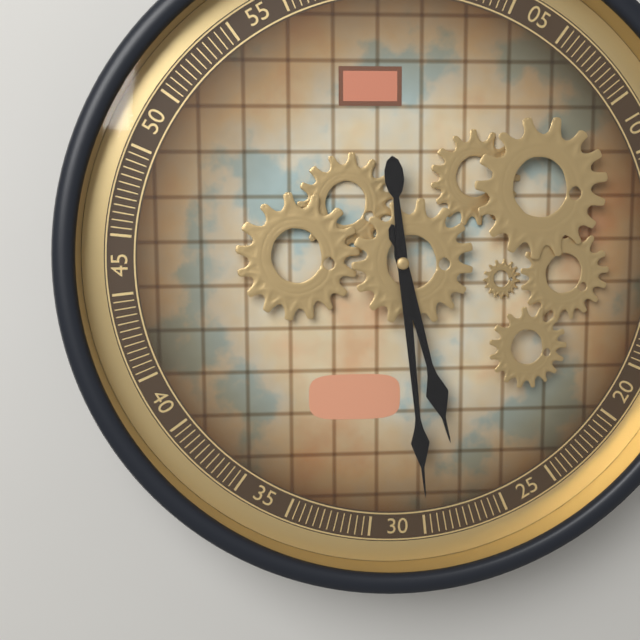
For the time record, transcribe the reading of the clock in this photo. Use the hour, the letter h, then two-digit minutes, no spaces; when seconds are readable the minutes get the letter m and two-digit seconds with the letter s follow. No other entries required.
5h29
